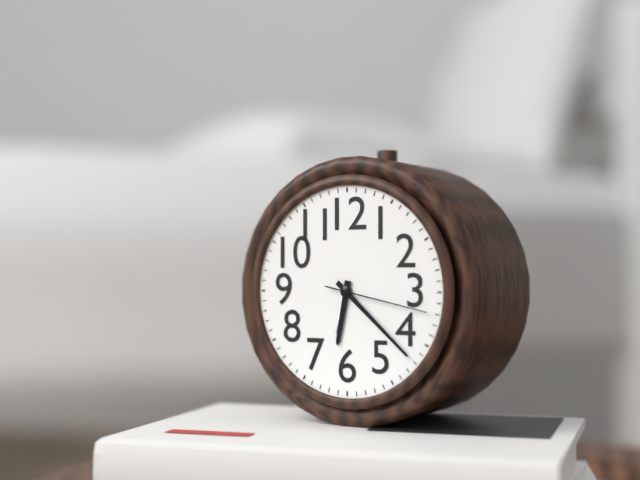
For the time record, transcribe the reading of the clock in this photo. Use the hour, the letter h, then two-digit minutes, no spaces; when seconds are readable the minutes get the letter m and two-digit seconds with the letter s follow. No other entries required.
6h22m17s
